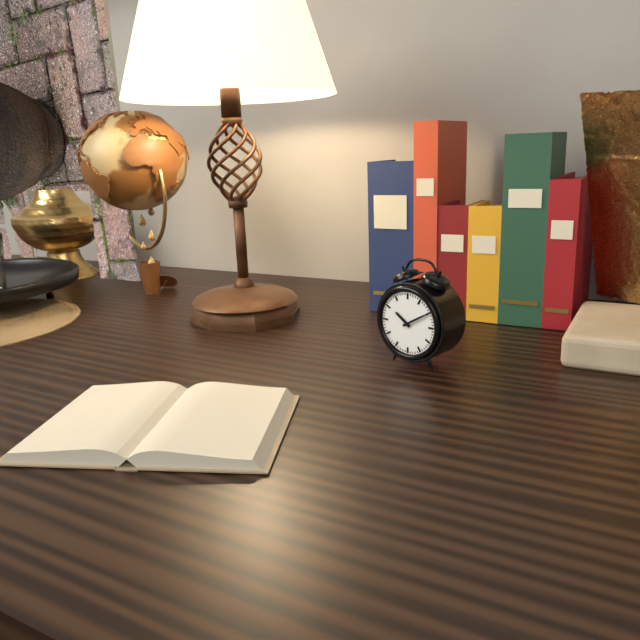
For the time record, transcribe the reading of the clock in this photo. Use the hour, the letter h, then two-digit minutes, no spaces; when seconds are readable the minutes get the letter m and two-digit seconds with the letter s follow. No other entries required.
10h10
